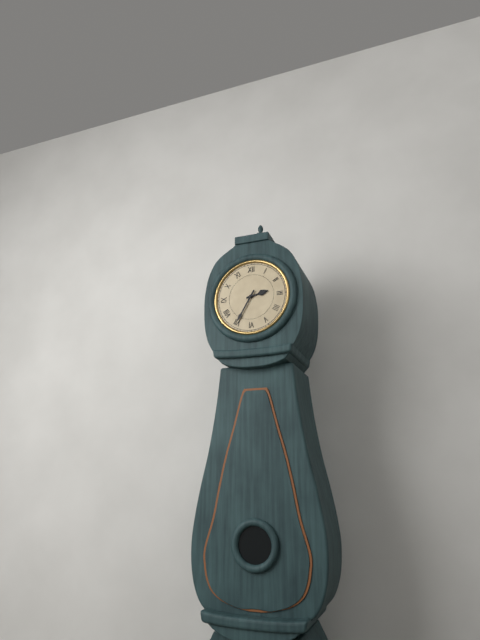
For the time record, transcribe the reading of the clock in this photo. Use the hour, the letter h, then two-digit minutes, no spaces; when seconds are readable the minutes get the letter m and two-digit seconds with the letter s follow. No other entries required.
2h35
